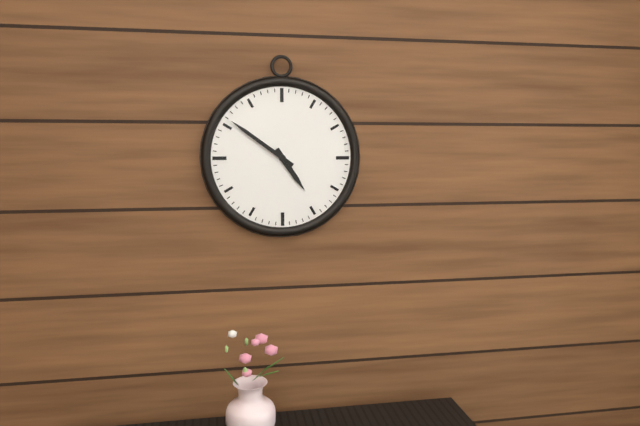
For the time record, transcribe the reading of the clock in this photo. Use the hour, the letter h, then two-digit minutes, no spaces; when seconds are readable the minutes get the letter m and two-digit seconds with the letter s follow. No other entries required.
4h51
